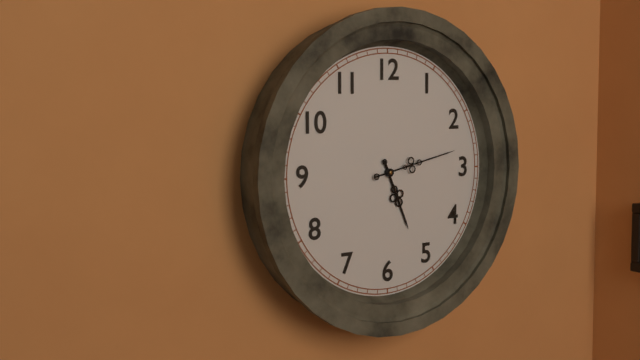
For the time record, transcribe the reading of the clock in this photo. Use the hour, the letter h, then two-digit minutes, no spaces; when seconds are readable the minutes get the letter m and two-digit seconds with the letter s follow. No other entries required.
5h13
